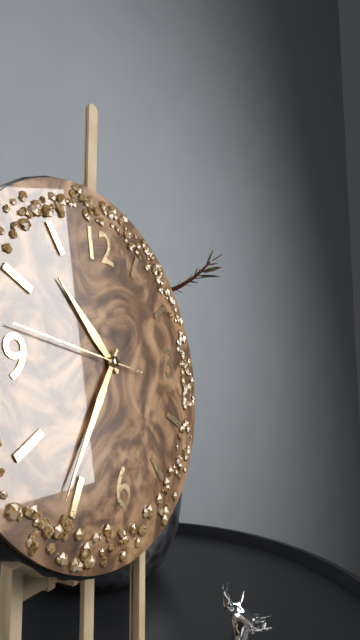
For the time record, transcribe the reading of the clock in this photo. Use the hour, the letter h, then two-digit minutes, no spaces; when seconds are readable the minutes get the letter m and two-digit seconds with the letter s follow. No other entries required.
10h36m47s
